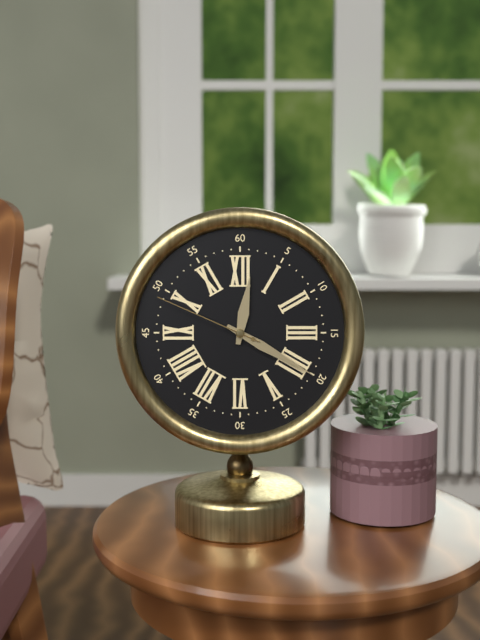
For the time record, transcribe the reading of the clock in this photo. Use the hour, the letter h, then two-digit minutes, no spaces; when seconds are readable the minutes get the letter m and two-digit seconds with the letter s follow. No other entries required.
12h20m49s
